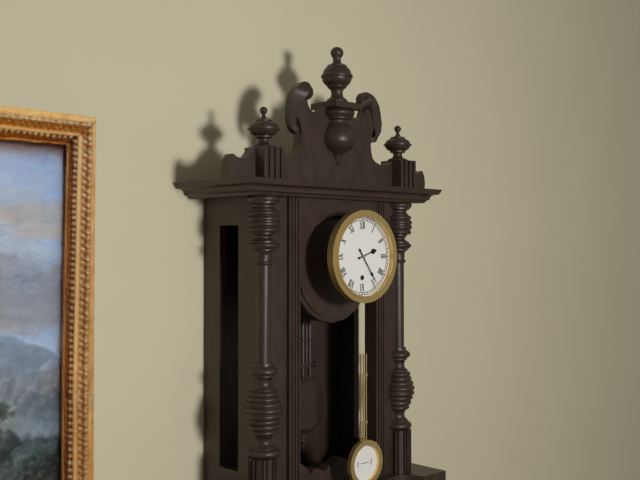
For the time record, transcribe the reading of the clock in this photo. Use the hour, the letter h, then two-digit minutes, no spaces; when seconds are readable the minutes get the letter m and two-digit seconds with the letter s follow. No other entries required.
2h24
